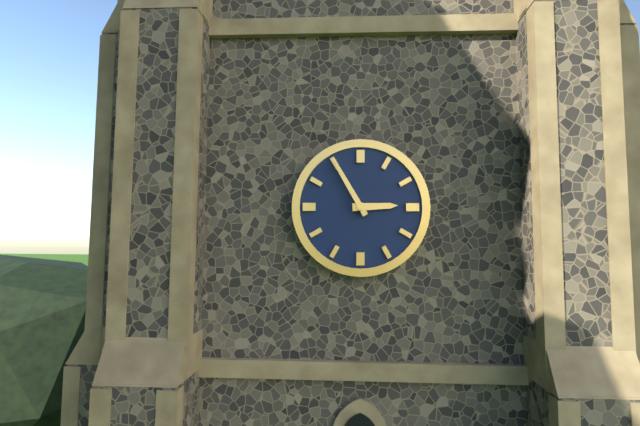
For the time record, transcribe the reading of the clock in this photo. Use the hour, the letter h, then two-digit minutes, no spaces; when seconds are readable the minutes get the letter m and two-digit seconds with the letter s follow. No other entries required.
2h55
